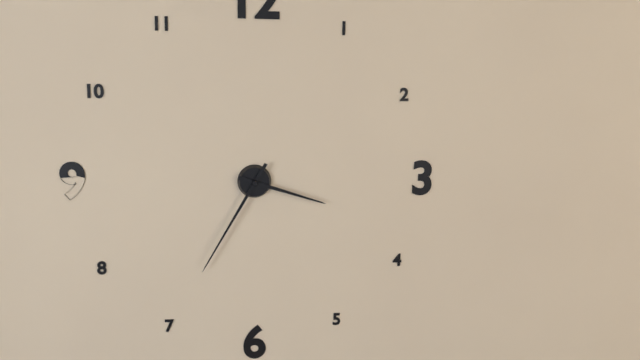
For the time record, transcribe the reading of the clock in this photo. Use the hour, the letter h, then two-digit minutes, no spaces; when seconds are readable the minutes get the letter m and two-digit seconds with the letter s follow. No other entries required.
3h35
